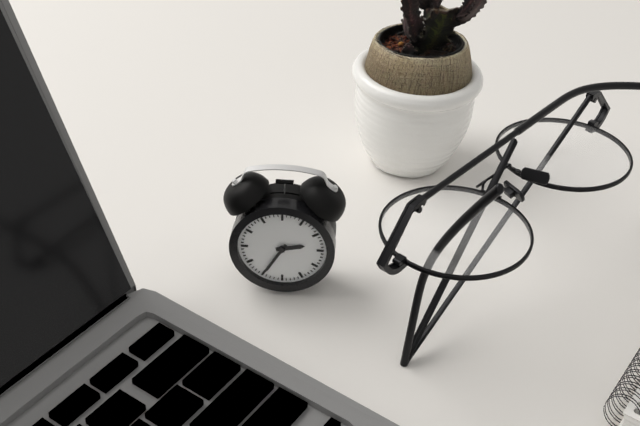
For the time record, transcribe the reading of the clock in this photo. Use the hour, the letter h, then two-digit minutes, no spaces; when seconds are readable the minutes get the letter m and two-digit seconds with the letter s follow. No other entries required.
2h35
